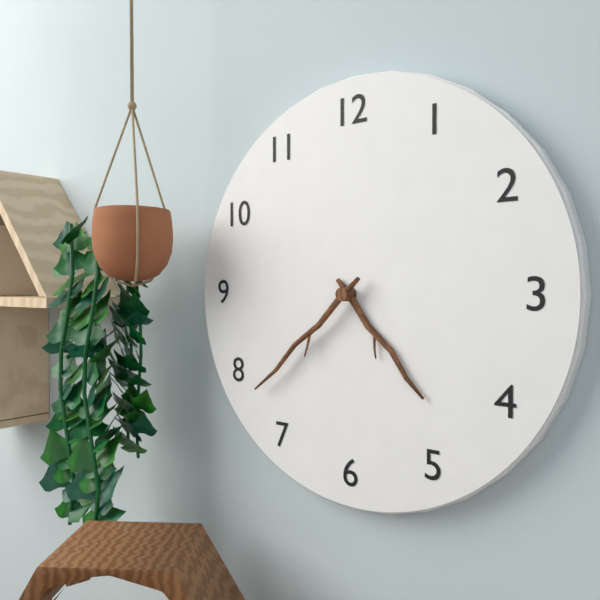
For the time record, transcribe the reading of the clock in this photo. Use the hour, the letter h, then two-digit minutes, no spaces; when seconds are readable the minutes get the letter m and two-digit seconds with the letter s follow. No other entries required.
4h38
